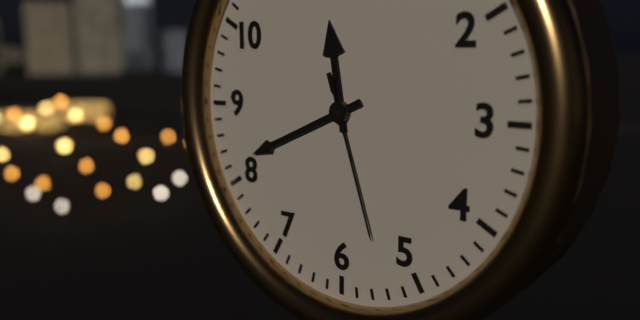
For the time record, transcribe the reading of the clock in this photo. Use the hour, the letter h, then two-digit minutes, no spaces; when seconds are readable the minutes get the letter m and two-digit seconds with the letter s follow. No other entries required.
11h41m27s
